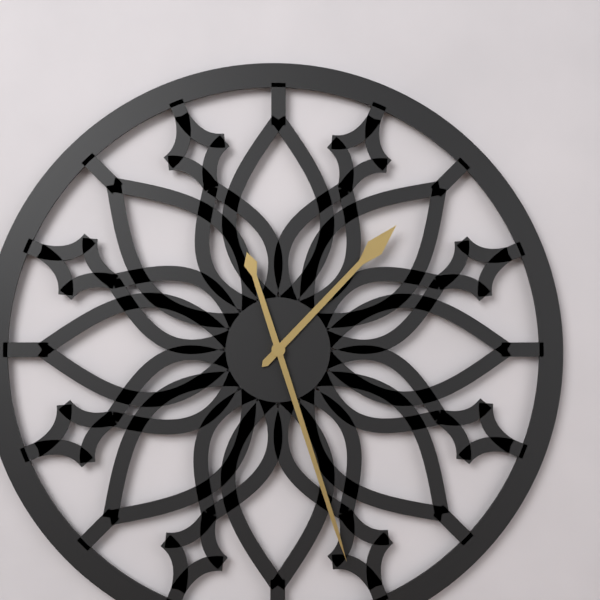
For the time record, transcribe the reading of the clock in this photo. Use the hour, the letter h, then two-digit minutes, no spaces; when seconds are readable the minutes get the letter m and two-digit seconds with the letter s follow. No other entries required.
1h27
